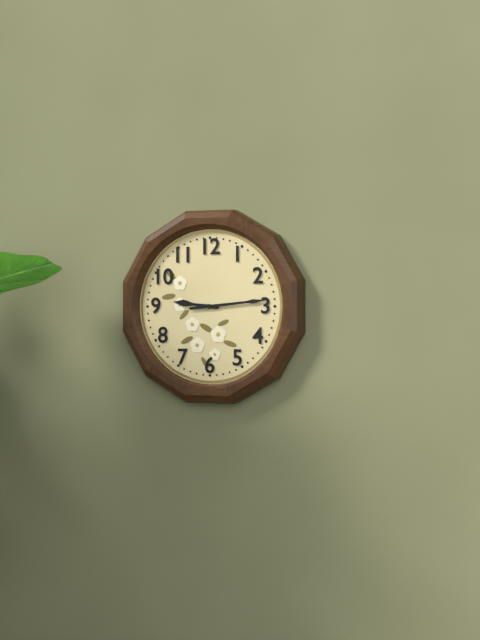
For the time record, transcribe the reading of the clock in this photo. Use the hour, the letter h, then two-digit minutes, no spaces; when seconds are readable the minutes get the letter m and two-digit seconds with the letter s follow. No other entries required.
9h14
